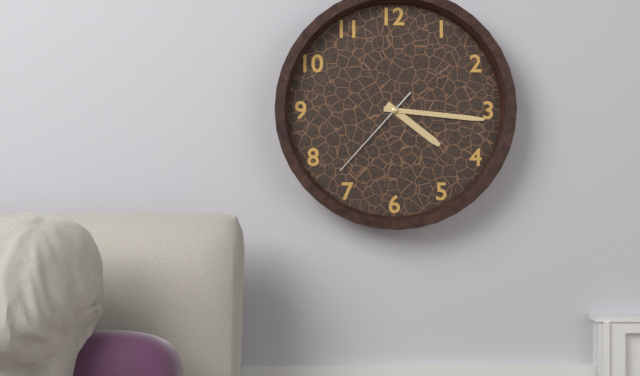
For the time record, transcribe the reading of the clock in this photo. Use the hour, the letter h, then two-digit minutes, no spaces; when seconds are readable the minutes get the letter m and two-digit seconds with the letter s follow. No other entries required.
4h16m37s
